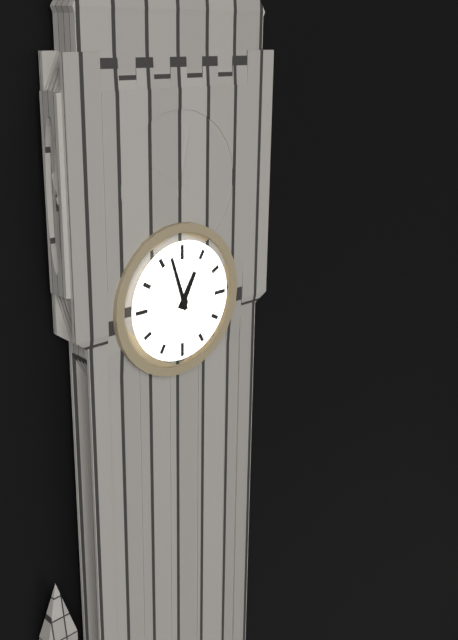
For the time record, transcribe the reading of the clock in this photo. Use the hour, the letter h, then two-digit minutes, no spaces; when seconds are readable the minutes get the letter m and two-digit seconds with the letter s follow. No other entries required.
12h57
